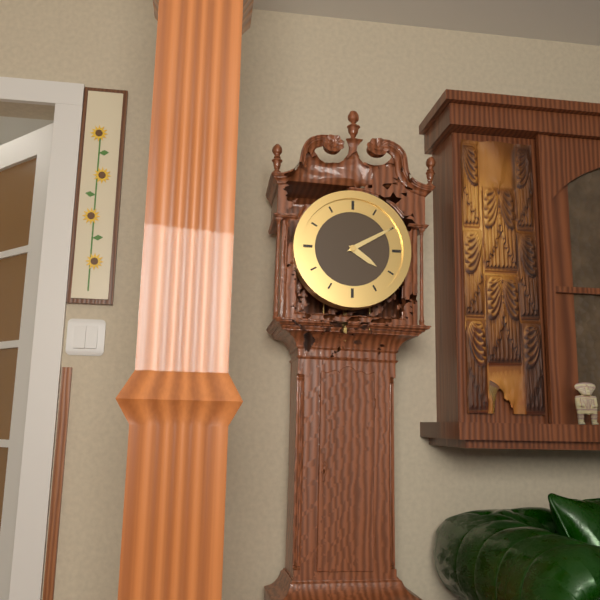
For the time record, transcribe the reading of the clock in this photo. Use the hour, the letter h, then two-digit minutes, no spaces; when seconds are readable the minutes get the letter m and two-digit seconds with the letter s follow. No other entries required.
4h10
